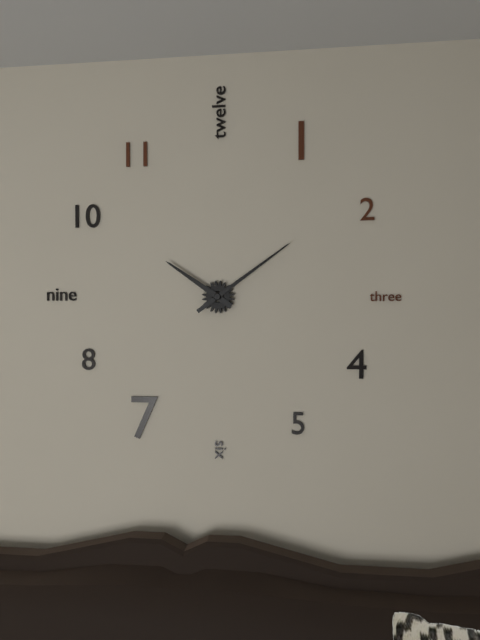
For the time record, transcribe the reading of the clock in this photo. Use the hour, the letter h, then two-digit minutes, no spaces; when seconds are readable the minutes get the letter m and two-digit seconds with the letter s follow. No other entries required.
10h09
